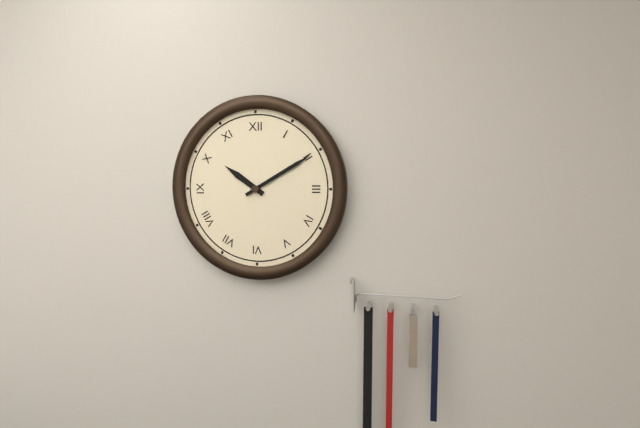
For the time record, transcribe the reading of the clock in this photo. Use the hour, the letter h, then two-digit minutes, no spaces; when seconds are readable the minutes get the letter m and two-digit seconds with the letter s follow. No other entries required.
10h10
